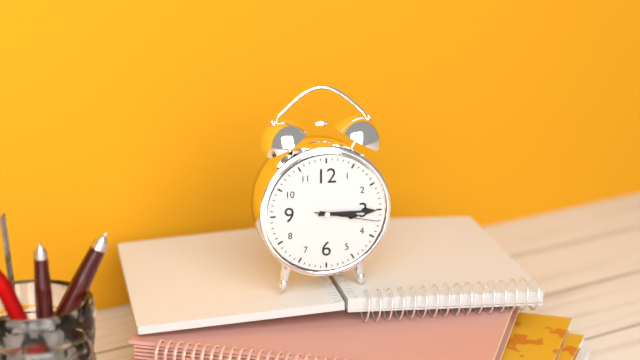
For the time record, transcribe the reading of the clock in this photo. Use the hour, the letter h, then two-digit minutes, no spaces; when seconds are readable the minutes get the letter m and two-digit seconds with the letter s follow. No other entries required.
3h15m17s
